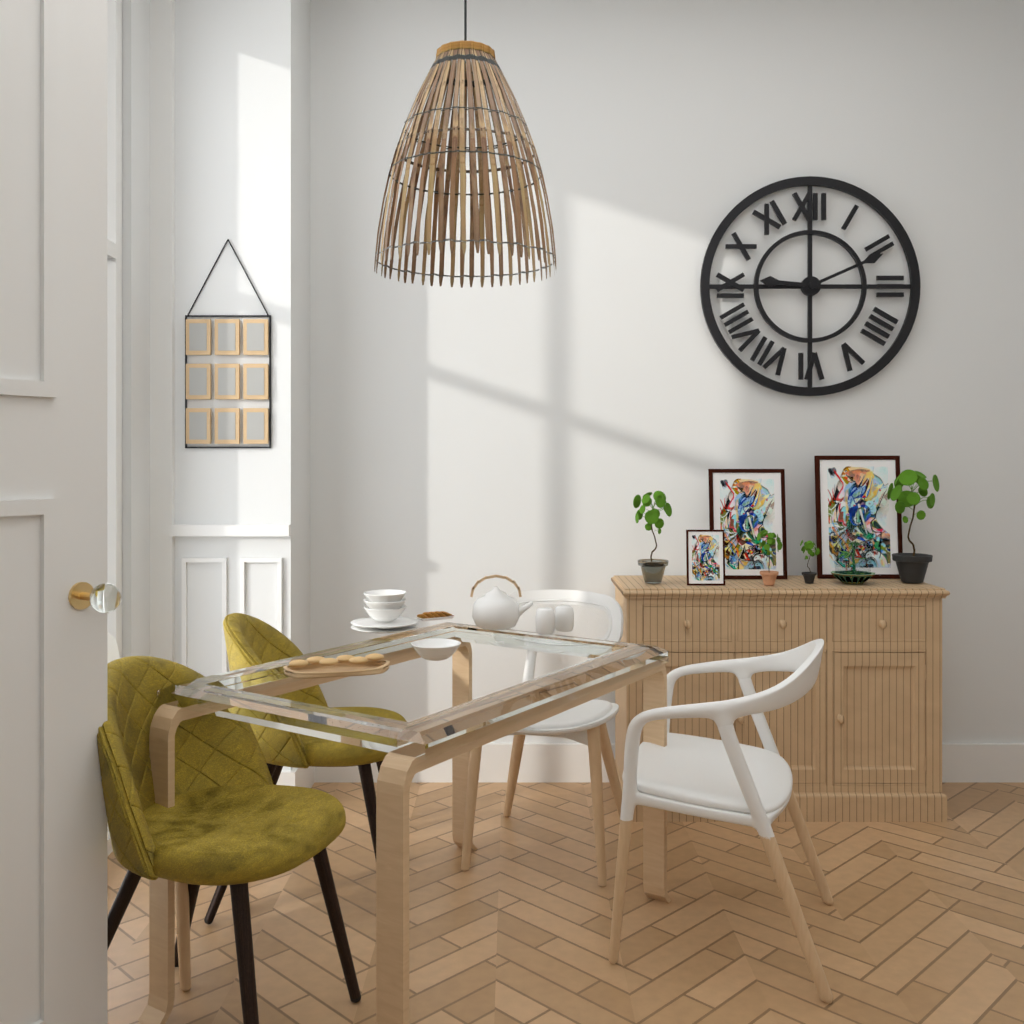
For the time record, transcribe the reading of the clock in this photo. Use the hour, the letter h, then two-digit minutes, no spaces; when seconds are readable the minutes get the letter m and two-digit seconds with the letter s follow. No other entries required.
9h11
